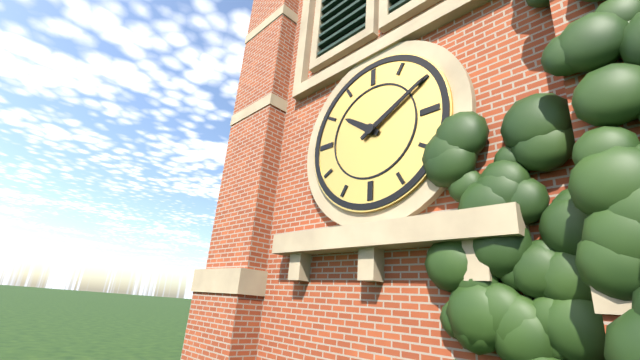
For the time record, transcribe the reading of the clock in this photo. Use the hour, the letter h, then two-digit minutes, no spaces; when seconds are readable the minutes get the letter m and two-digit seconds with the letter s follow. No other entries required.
10h10
